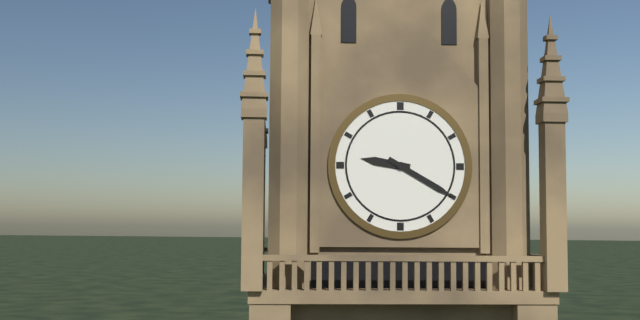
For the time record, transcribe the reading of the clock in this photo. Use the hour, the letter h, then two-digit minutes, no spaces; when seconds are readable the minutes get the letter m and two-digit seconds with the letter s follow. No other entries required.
9h20
